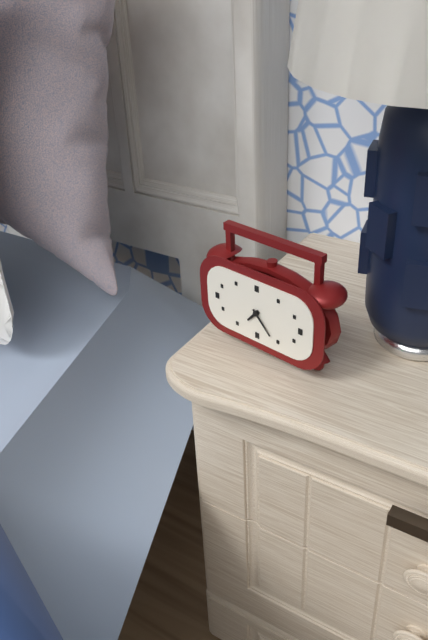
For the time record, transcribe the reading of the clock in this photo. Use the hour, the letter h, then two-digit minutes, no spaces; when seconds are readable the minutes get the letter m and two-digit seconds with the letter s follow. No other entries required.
7h23
